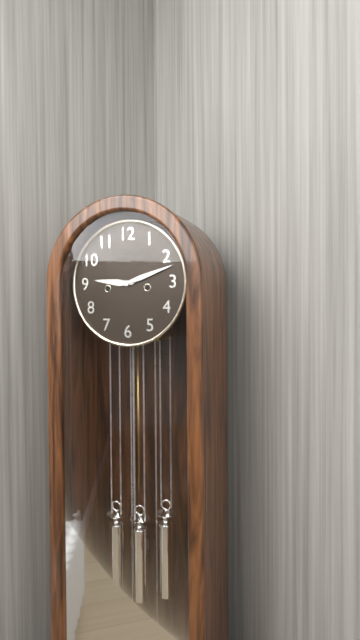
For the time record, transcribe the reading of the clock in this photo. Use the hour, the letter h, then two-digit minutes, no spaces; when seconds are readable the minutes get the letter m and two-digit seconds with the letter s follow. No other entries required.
9h12
